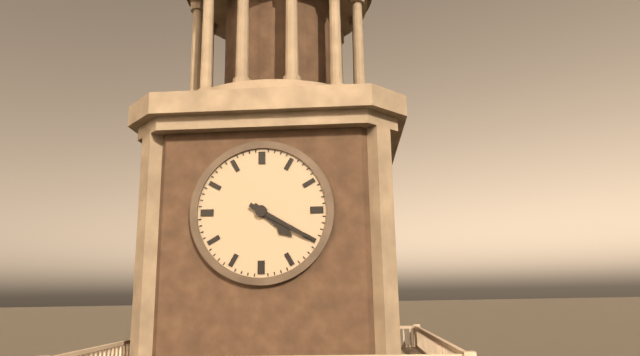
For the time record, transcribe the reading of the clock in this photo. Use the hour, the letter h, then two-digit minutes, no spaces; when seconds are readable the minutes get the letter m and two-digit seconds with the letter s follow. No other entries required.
4h20
